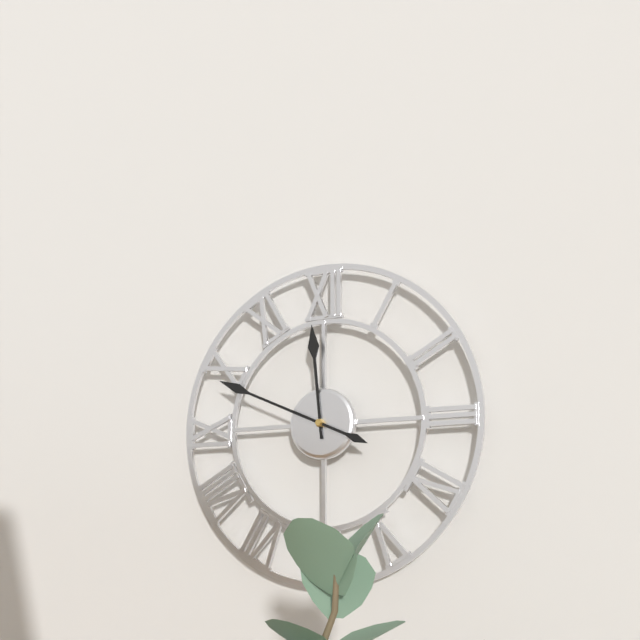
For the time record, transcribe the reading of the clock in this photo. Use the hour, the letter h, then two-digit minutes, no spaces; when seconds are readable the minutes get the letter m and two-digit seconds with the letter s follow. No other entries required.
11h49
